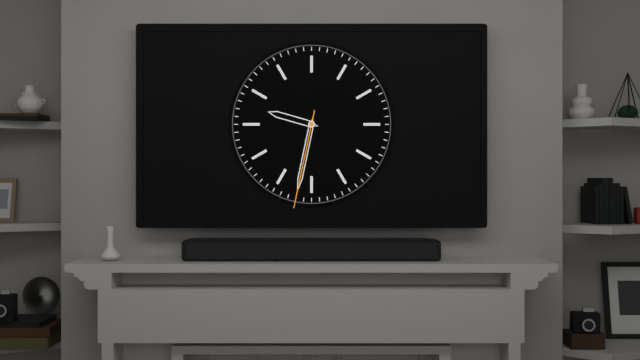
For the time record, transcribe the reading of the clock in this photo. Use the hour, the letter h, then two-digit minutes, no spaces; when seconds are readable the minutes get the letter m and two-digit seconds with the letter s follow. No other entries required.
9h32m32s
